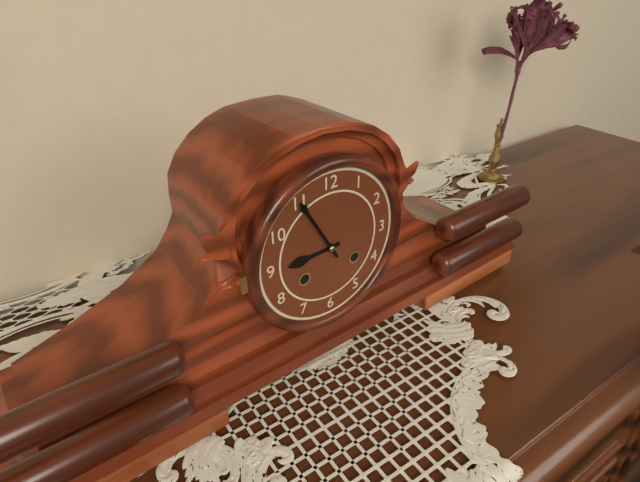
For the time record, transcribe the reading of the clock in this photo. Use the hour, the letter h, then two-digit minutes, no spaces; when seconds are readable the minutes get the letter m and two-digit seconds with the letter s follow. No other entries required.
8h55
